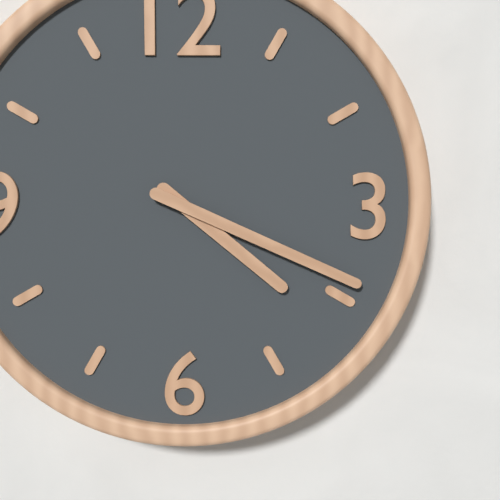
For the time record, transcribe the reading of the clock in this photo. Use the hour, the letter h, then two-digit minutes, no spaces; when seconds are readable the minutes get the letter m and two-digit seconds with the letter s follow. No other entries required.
4h19
